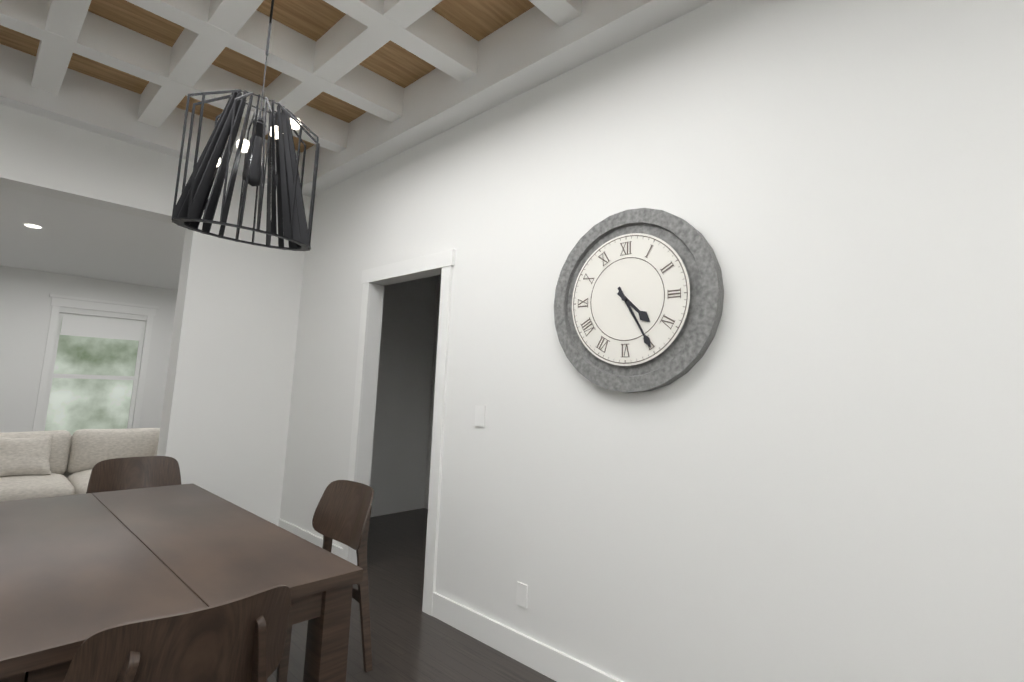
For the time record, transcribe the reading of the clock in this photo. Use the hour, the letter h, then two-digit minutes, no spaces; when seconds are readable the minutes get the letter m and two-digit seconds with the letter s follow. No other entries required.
4h25
